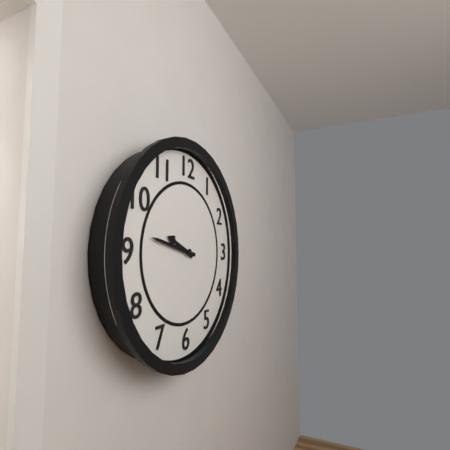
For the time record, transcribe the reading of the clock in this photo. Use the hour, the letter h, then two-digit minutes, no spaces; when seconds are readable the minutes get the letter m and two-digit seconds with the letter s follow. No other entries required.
9h47
